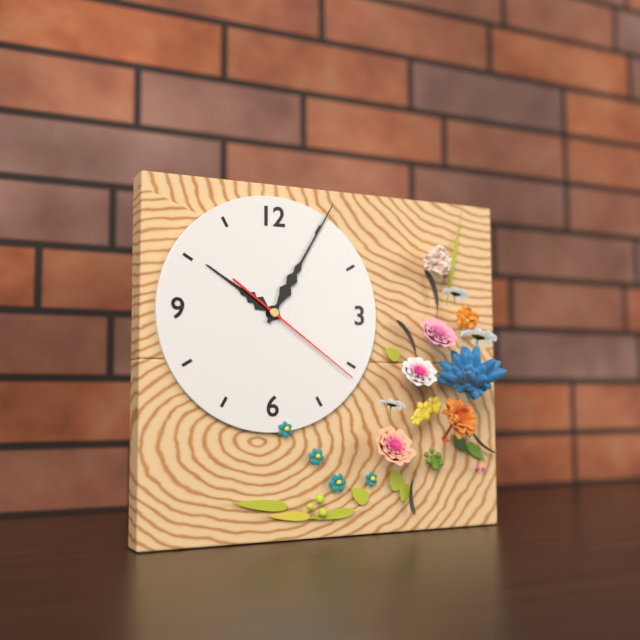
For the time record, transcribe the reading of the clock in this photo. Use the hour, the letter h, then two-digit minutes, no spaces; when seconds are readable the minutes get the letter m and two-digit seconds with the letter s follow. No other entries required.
10h05m21s
